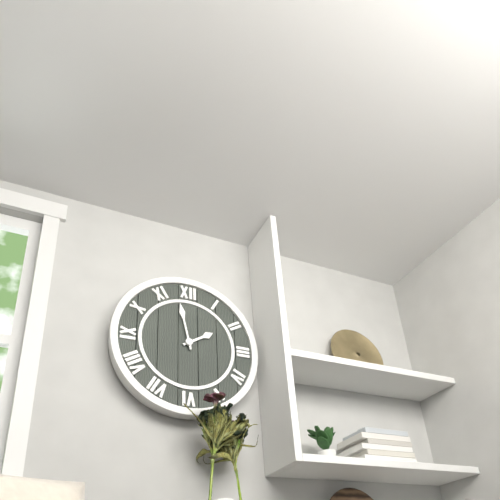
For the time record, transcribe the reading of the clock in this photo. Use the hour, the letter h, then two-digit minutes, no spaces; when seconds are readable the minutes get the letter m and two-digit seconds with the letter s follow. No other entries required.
1h58
